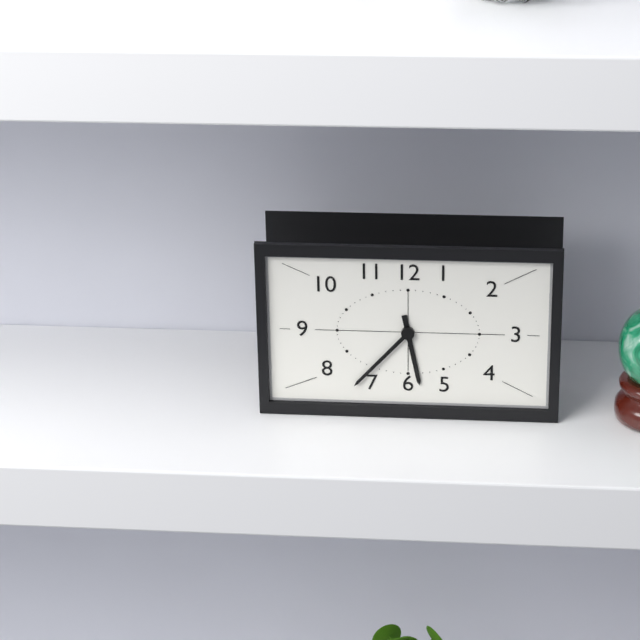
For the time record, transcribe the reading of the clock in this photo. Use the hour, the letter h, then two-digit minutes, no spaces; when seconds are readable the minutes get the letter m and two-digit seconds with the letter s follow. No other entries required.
5h37
